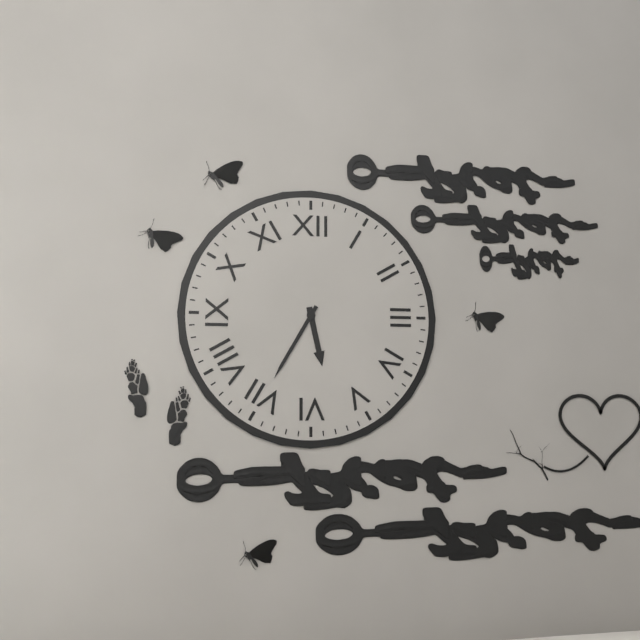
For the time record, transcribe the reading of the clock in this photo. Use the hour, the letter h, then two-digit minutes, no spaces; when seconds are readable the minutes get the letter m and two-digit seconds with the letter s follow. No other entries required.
5h35
